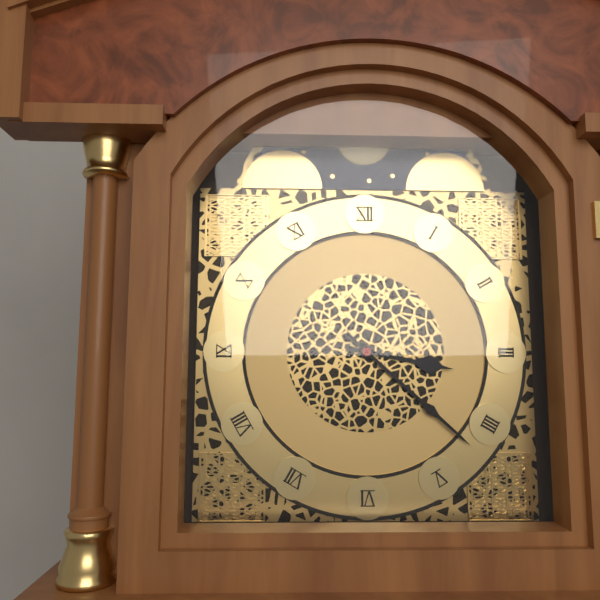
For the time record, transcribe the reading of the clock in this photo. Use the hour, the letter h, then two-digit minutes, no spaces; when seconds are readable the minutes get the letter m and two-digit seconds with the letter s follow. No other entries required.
3h22
